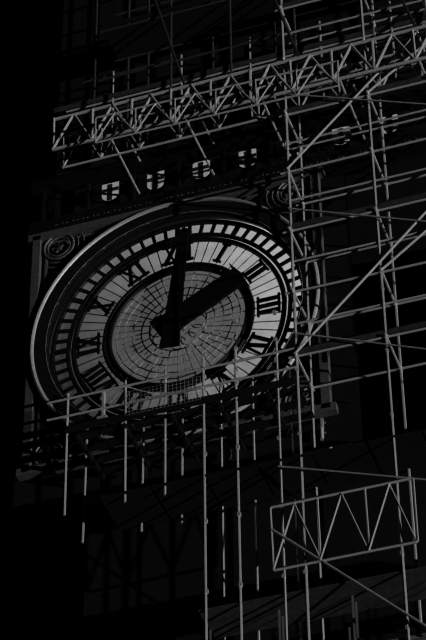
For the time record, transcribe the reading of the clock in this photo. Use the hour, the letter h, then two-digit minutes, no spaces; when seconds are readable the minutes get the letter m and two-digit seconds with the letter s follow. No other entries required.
2h01
